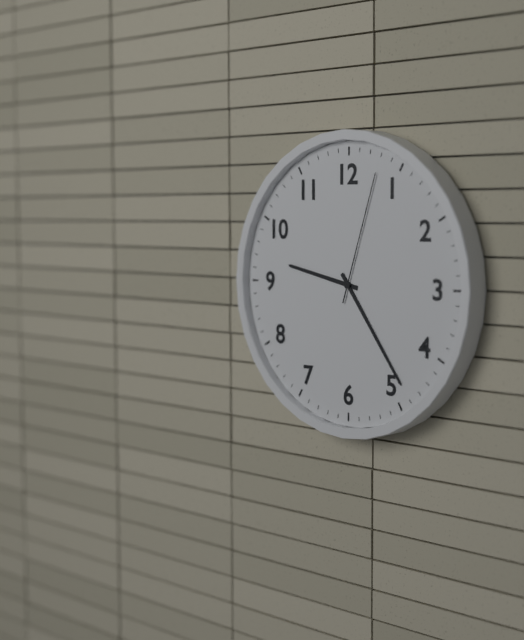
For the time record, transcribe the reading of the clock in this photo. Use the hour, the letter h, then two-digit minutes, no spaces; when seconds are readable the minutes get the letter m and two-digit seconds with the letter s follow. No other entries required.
9h24m03s
